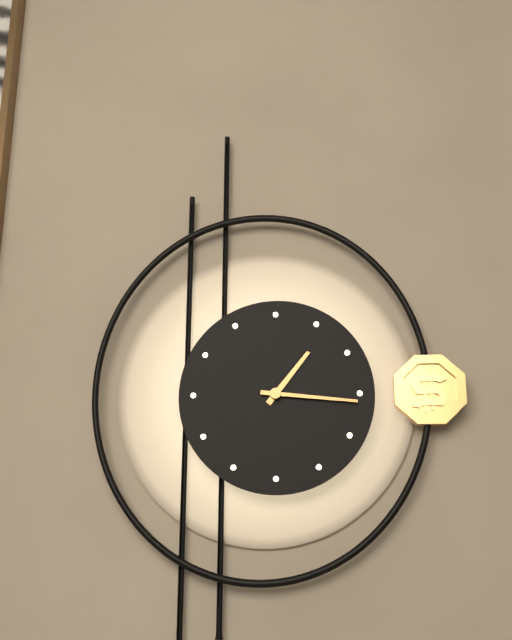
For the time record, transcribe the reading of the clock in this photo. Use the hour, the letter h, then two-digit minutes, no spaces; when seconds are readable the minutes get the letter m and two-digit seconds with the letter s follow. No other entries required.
1h16
